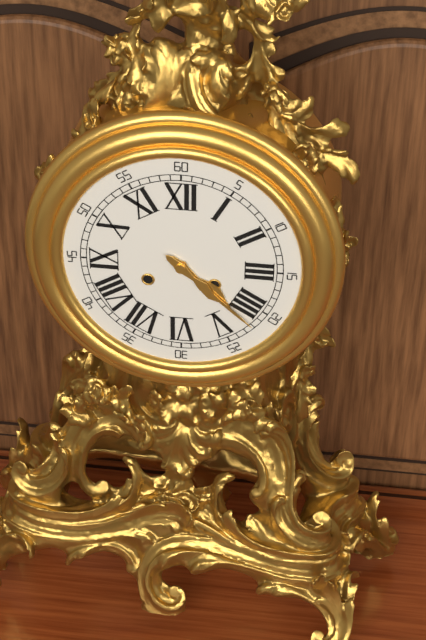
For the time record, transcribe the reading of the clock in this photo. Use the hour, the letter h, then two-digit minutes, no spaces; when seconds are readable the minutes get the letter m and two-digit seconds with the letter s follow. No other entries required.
4h22
